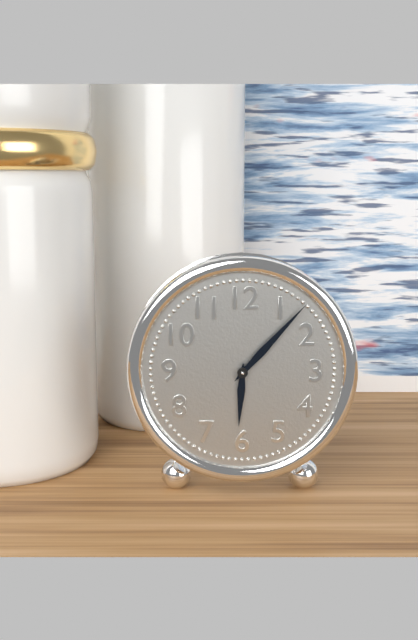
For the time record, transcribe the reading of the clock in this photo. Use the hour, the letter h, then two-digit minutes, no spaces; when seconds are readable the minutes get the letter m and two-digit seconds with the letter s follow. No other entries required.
6h07
